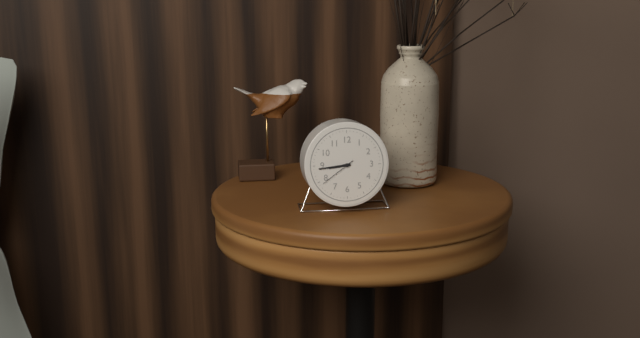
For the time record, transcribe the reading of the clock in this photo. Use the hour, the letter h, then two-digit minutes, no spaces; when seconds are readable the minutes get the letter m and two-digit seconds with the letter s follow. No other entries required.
8h44
